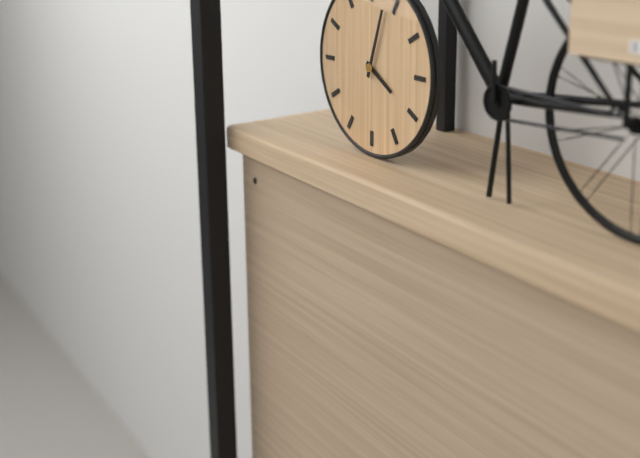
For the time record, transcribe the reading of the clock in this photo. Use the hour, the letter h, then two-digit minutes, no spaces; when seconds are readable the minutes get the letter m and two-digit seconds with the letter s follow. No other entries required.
4h03
